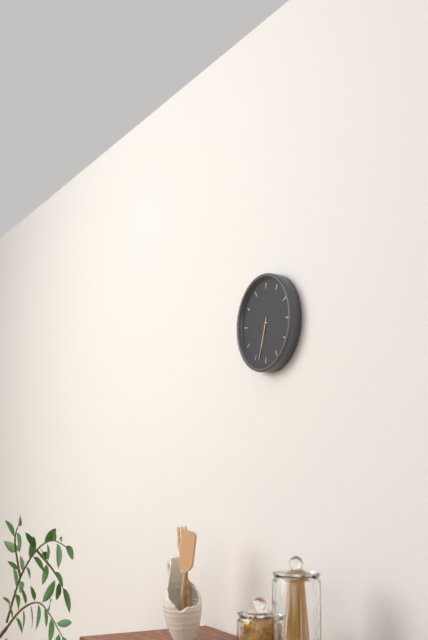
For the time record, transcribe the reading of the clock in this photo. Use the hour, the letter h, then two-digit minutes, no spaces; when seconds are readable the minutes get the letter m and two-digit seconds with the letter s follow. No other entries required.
6h33
